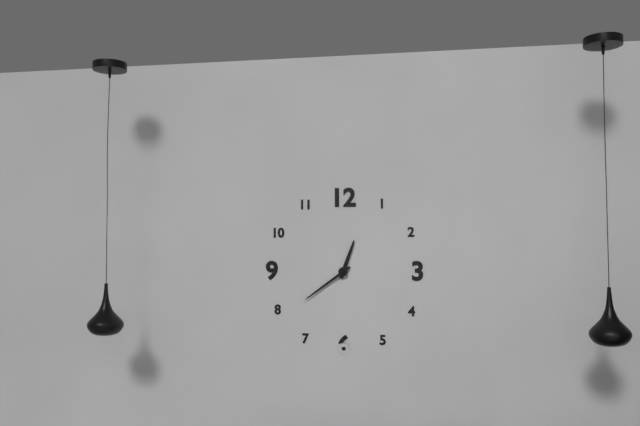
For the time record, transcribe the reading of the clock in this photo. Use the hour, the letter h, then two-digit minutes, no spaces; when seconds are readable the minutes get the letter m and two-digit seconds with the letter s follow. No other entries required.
12h39
